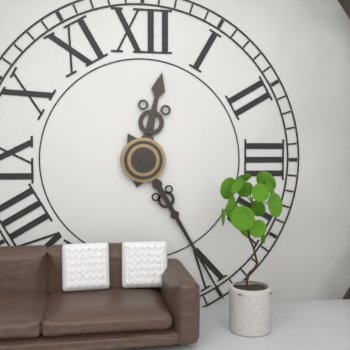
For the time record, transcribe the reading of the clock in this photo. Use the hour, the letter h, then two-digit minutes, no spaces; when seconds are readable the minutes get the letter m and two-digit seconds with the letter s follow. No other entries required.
12h25
